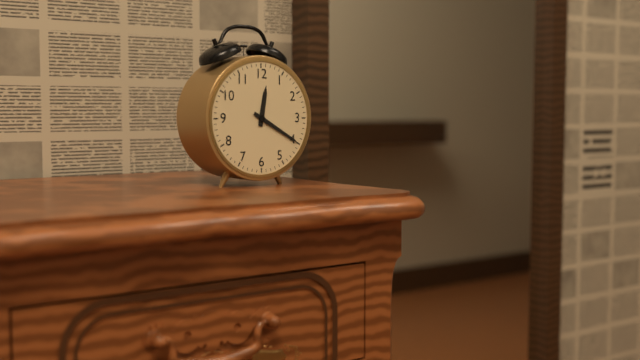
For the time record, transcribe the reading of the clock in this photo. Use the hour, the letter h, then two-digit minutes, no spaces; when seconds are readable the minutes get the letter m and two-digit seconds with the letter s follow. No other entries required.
12h20
